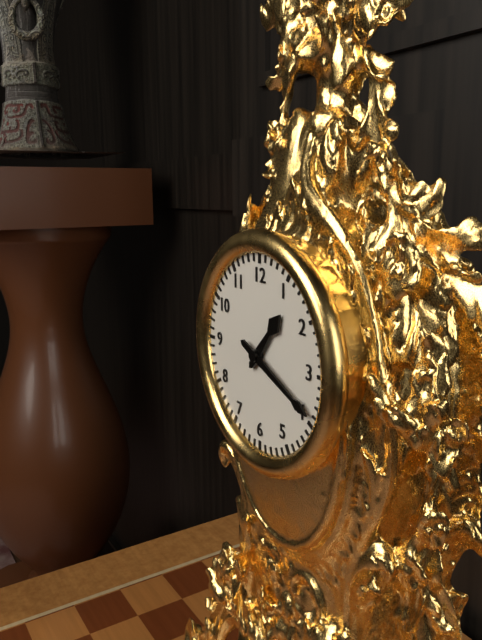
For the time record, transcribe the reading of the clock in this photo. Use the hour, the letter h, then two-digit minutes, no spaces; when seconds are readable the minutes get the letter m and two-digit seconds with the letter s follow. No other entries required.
1h19
